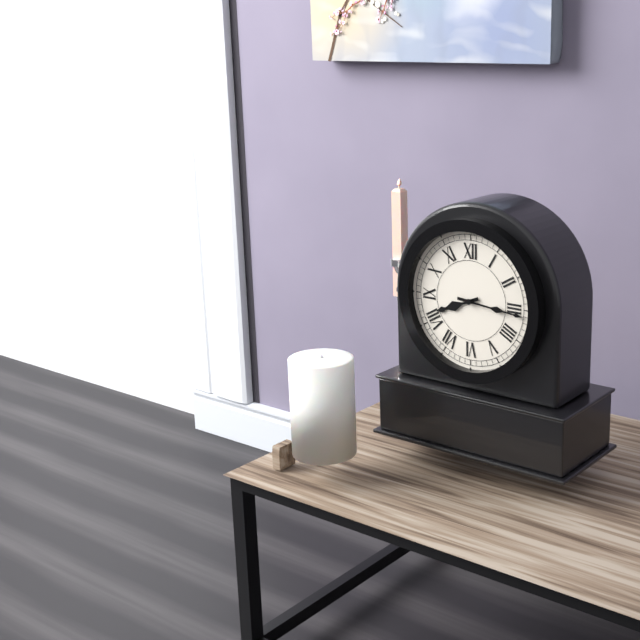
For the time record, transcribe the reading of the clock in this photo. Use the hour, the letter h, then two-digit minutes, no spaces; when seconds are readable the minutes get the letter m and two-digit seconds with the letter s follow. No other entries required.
8h16
